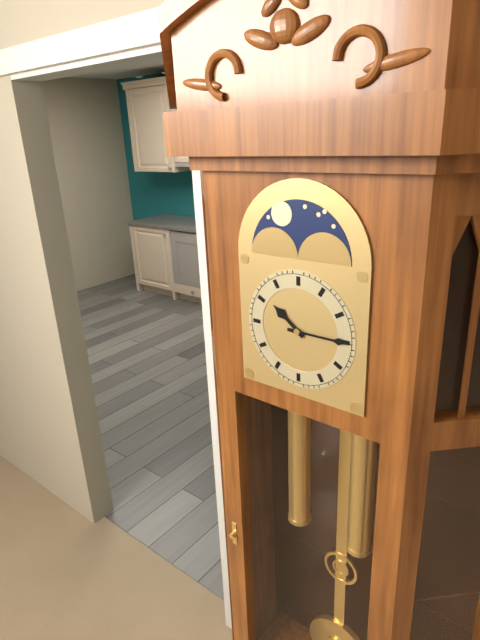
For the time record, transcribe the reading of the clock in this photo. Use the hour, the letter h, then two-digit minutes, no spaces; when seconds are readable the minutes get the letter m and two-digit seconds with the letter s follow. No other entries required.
10h15
